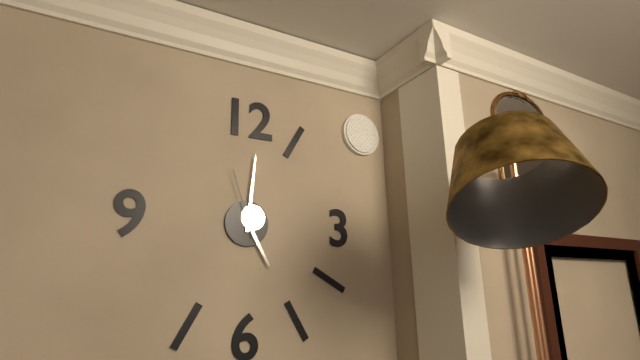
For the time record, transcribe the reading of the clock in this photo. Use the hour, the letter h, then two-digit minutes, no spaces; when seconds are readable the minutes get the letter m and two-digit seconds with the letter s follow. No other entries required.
5h01m57s
